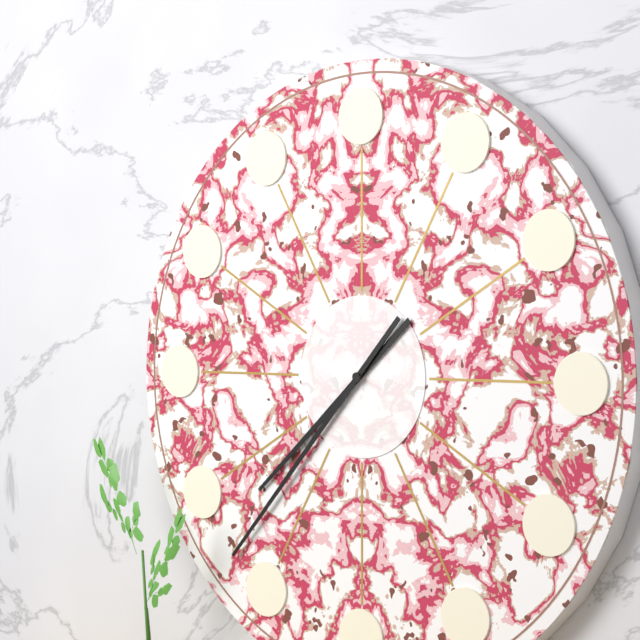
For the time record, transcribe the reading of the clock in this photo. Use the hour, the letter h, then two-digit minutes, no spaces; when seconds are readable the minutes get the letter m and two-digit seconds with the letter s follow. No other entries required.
7h37
